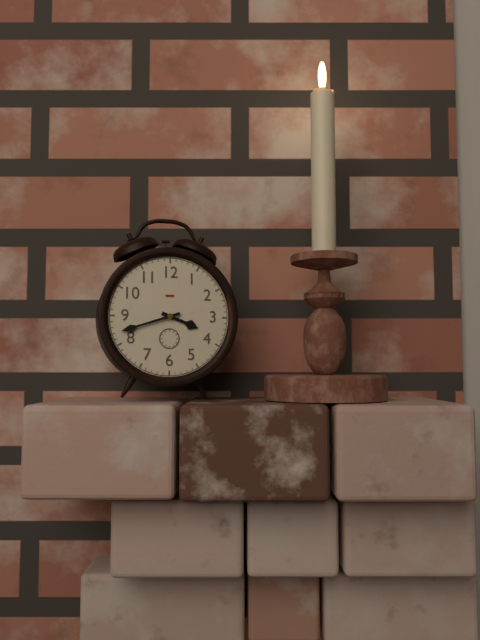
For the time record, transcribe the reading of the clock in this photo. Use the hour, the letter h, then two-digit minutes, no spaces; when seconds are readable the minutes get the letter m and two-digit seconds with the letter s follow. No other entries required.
3h42
